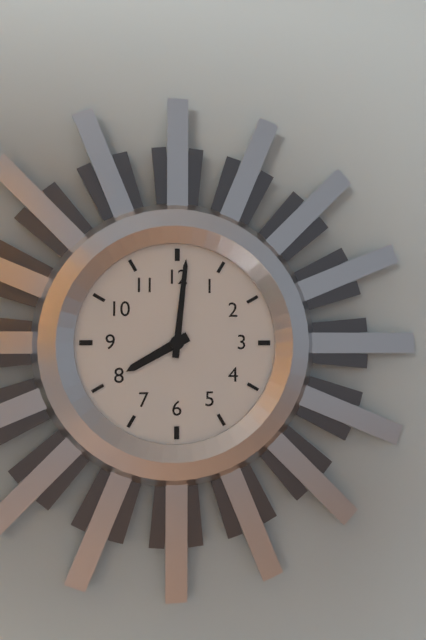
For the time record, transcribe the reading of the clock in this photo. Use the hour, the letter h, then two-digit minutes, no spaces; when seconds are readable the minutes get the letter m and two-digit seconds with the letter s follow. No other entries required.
8h01
